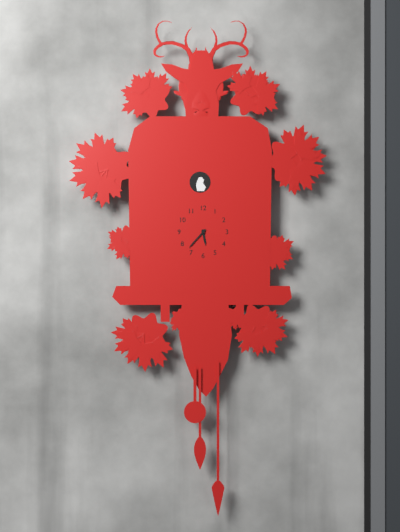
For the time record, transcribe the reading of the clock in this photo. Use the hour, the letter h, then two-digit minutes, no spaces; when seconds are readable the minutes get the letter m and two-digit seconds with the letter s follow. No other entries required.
5h37
